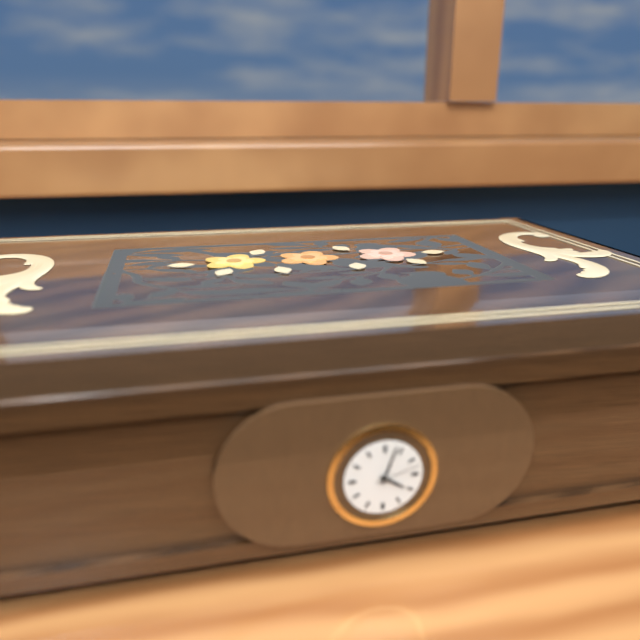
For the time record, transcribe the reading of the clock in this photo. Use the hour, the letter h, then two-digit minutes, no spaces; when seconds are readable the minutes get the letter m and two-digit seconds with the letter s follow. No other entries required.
4h03m12s
